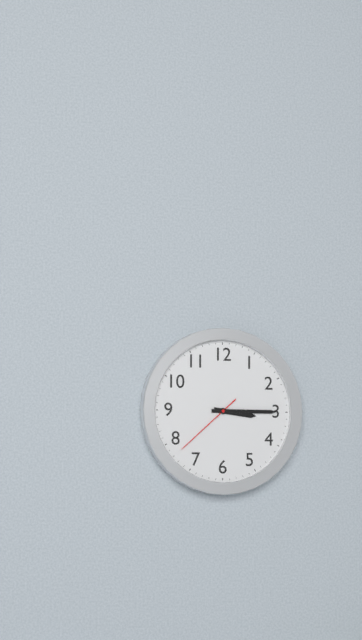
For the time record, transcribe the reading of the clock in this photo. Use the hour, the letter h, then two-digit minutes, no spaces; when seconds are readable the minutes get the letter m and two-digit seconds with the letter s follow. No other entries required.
3h15m38s
